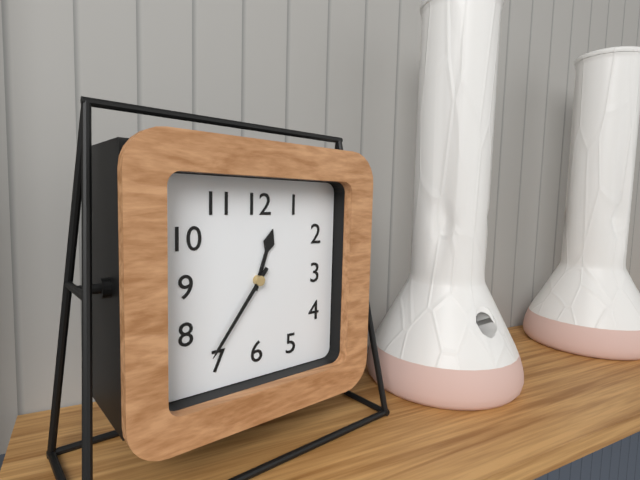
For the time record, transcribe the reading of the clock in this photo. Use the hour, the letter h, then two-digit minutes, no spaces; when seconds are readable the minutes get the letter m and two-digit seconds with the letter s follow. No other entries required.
12h36
